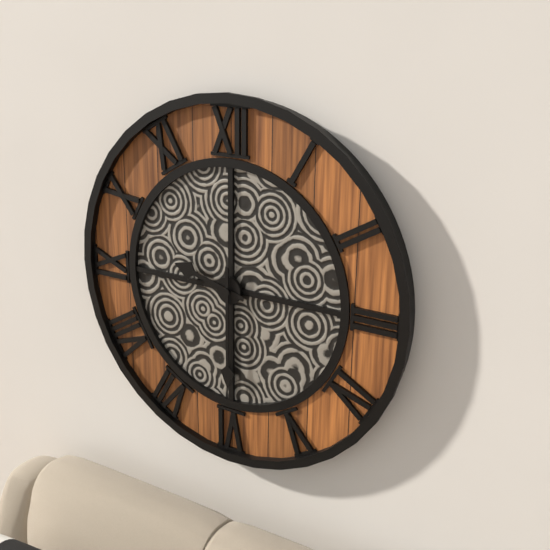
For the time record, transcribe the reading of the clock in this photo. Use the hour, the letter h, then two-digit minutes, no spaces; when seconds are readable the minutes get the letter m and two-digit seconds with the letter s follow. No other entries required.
9h30
